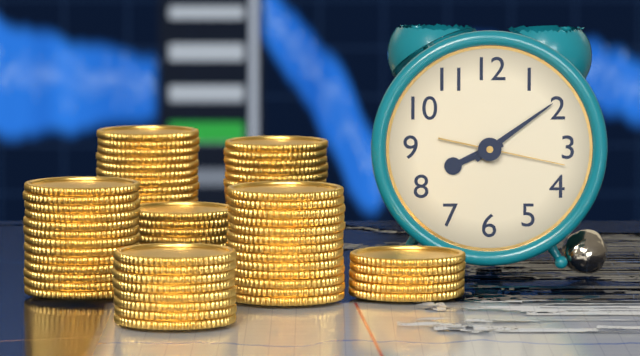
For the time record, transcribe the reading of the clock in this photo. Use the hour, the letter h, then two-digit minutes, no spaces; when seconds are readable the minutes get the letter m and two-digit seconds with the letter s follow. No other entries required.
8h09m17s
